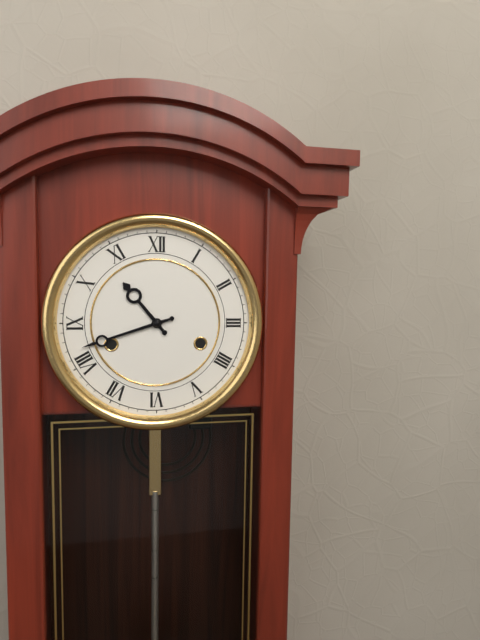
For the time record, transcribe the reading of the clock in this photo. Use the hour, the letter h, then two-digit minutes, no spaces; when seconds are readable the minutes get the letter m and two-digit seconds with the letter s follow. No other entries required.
10h42
